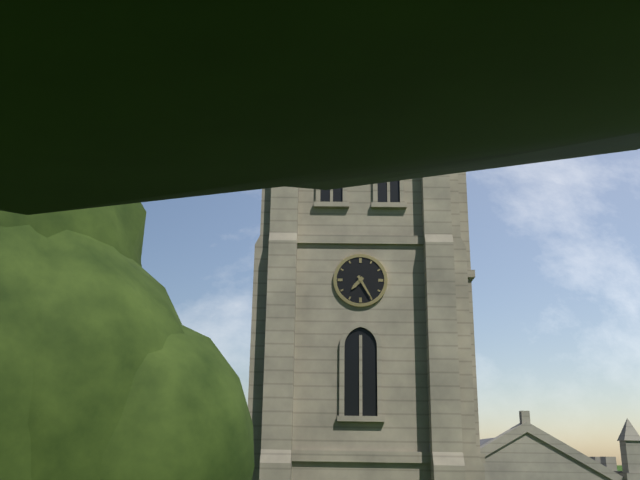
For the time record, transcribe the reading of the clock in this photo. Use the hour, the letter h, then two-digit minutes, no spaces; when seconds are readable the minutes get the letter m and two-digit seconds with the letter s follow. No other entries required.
7h25
